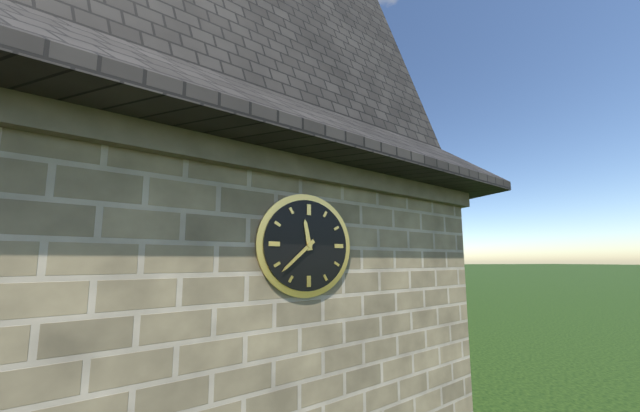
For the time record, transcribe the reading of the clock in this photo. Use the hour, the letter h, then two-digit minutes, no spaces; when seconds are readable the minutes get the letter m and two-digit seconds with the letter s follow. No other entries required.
11h38
